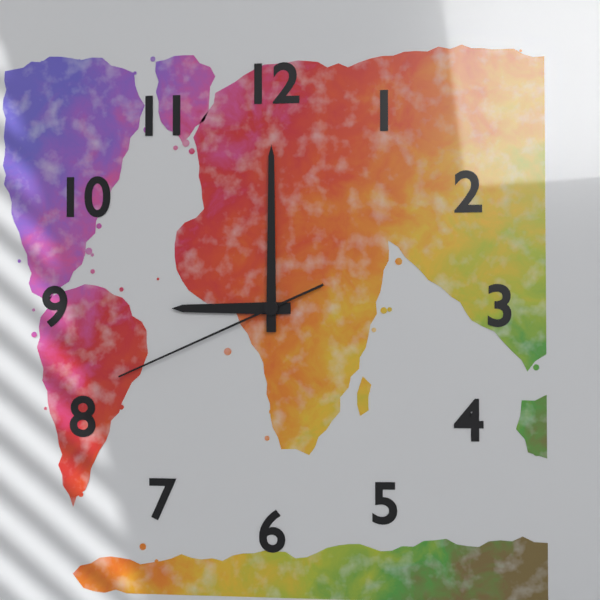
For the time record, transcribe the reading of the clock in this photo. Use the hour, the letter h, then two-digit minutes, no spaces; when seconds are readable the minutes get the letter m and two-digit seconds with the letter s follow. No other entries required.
9h00m41s
